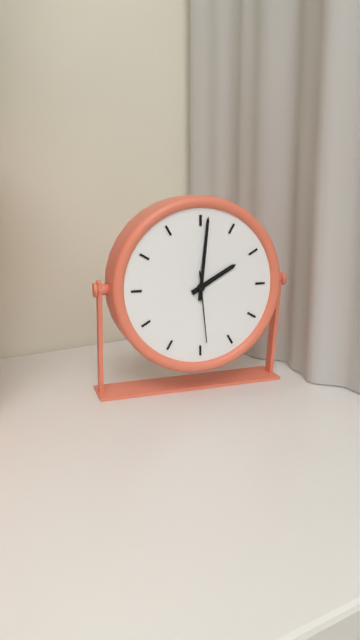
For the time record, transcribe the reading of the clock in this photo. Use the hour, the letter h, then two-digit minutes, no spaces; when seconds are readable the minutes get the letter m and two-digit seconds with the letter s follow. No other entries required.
2h01m29s
